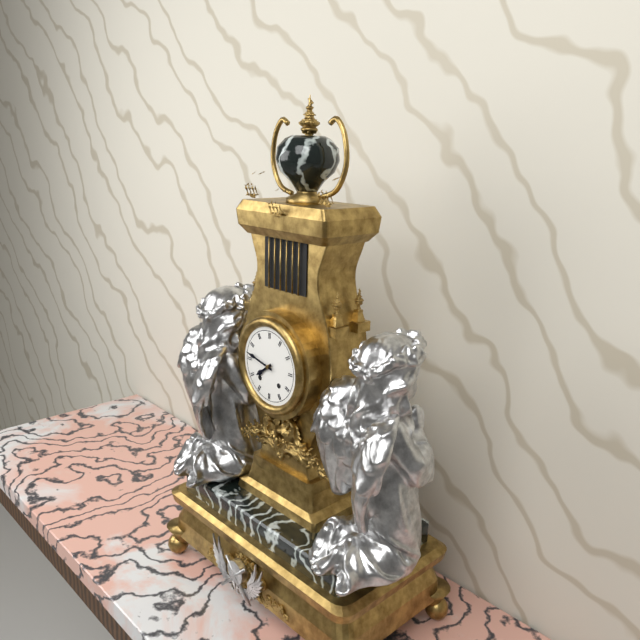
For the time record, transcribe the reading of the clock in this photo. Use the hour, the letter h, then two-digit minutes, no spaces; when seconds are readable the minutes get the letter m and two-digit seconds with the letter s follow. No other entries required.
7h47
